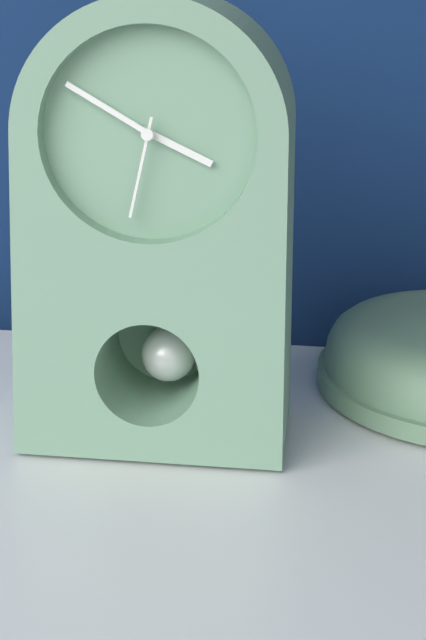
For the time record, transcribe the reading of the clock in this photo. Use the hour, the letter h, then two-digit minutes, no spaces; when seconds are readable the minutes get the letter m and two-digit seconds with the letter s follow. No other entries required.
3h50m32s
